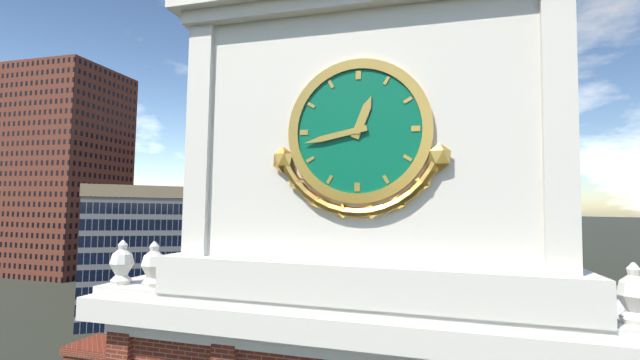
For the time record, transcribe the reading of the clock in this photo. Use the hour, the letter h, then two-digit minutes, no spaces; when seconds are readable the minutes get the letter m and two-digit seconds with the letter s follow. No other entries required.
12h43
